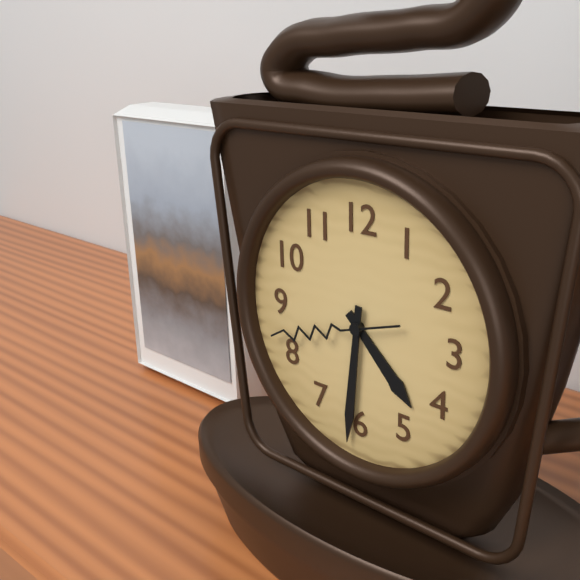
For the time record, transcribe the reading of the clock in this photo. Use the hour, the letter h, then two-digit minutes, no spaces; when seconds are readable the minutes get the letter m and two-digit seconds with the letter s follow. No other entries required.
4h31m42s
